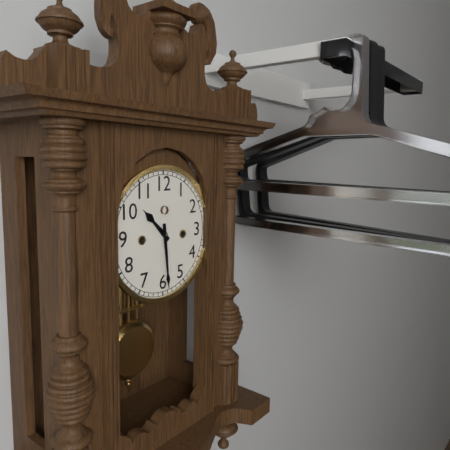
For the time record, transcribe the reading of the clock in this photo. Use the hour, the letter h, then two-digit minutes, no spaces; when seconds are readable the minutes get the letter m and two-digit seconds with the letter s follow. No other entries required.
10h29
